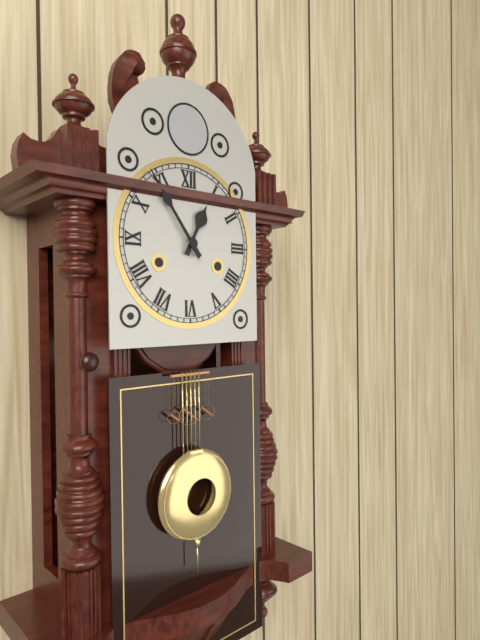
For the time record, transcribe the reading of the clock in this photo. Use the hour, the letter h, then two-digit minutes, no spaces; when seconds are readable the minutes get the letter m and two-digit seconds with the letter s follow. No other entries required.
12h54
